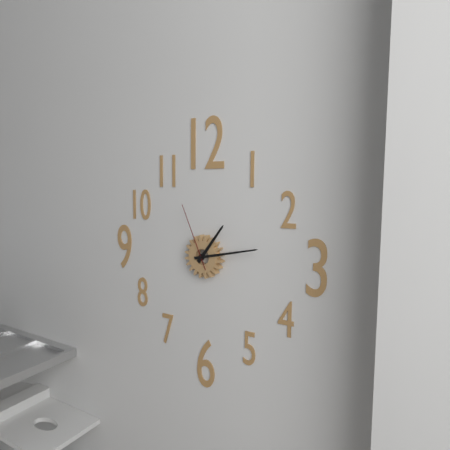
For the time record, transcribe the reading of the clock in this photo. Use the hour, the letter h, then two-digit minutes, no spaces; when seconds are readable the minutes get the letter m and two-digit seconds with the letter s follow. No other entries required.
1h13m56s
